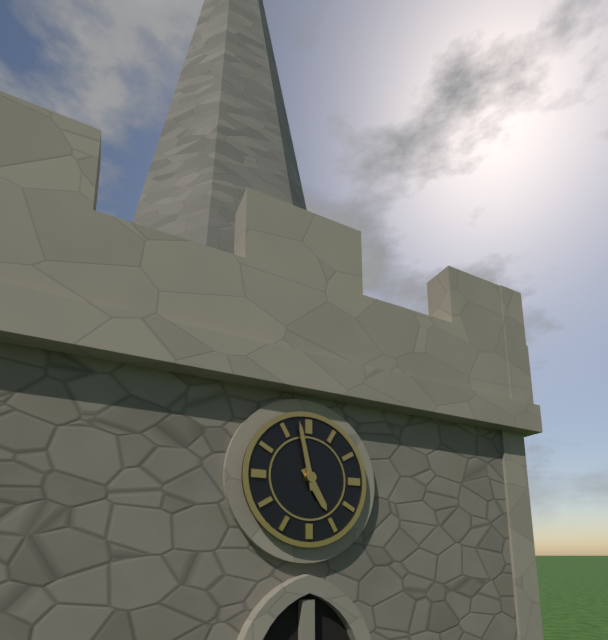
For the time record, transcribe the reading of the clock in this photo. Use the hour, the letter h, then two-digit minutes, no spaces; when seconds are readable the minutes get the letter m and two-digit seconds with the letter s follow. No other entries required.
4h58
